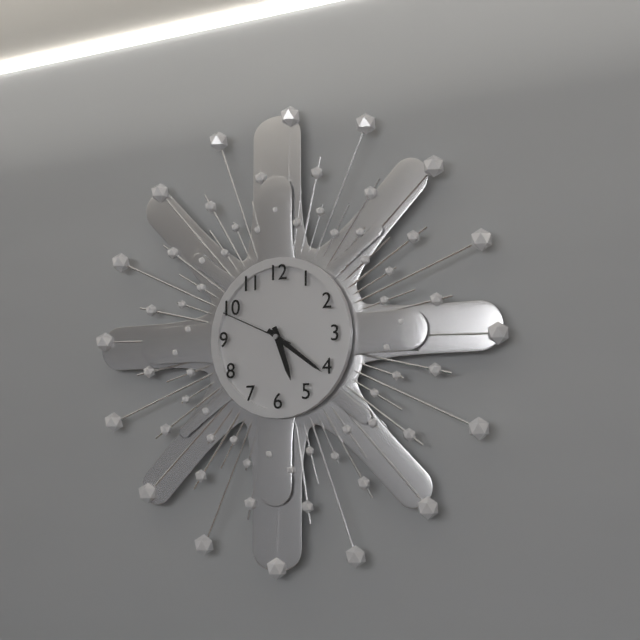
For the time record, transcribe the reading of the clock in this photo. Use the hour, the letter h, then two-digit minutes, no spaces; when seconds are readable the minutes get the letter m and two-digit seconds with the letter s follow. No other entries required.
5h21m49s
